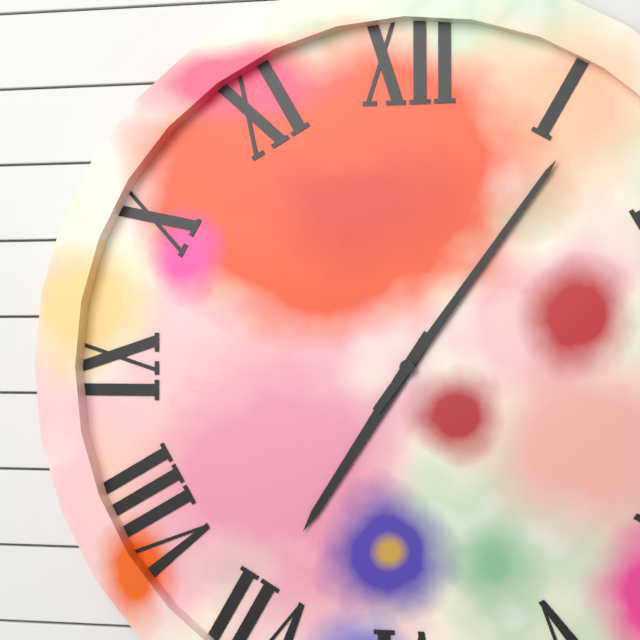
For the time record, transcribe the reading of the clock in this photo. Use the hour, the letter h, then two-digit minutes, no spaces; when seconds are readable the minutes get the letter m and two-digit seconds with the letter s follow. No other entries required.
7h06
